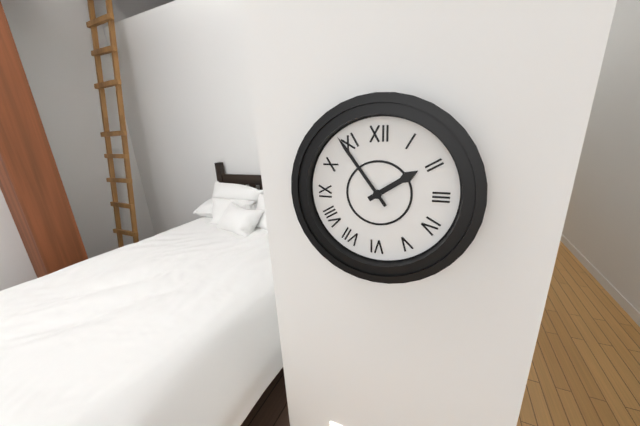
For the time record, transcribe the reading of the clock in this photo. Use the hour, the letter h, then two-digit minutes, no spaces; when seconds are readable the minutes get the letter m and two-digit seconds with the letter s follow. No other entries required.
1h54
